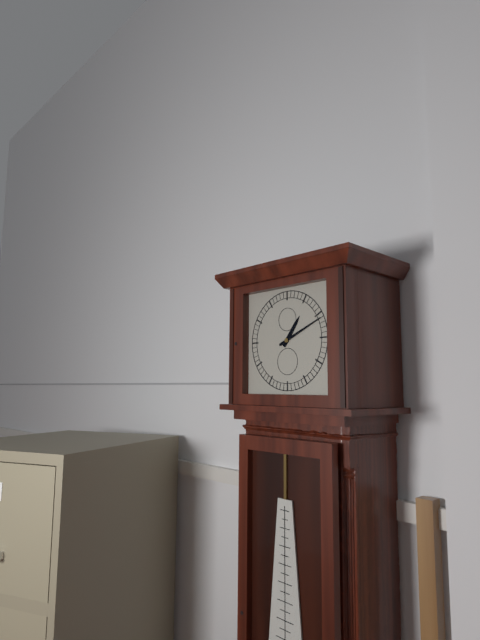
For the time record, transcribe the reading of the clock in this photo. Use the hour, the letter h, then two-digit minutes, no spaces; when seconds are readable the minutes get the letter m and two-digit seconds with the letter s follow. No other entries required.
1h11
